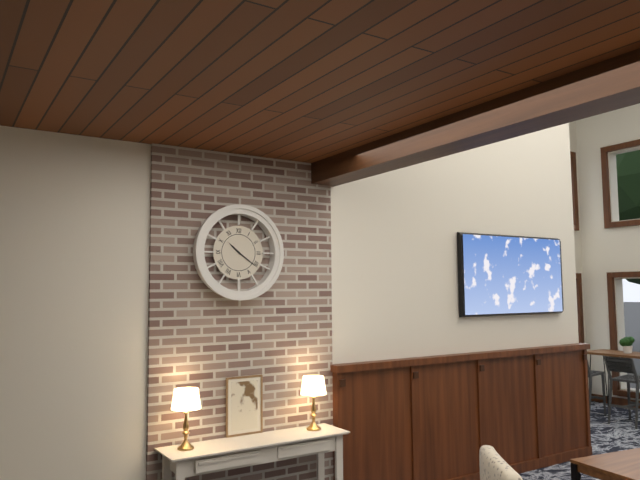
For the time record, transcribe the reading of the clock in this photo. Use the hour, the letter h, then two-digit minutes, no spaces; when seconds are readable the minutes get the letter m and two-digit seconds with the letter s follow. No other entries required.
10h21
